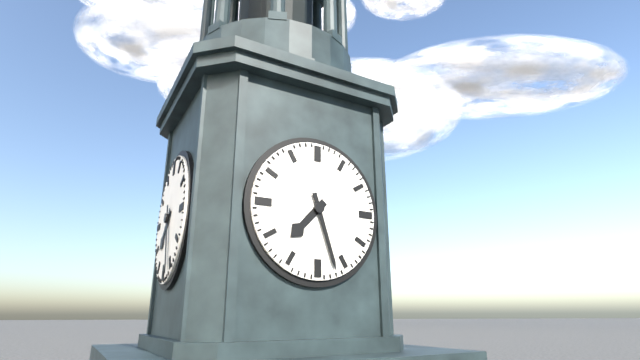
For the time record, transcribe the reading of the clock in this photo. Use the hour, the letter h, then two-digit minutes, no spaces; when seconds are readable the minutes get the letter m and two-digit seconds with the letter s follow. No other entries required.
7h27
